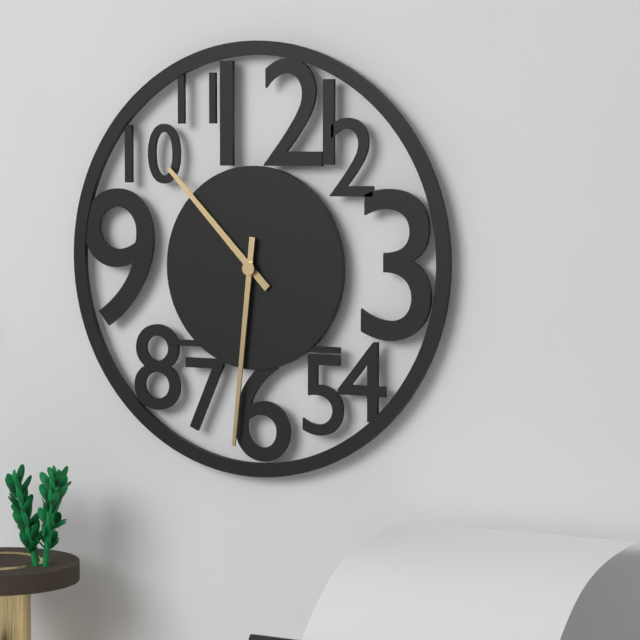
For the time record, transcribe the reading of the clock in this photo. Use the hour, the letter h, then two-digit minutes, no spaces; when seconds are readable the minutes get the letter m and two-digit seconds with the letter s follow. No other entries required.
10h31
